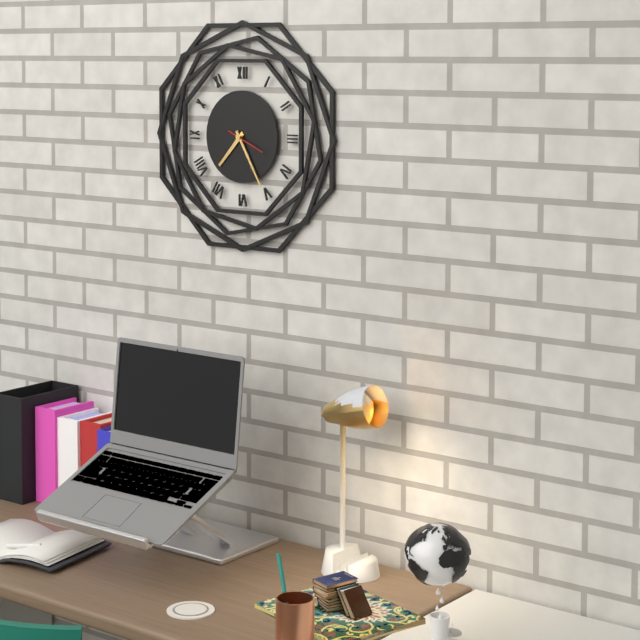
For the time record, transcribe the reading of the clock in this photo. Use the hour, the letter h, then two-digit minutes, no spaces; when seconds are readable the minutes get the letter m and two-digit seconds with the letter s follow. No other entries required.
7h25
